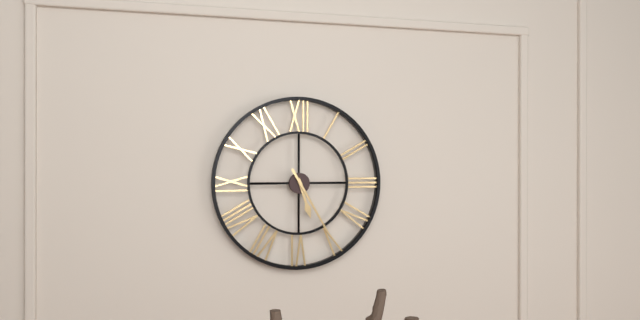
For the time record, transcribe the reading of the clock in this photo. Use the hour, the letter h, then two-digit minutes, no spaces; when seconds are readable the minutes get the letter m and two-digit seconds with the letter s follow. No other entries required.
5h25
